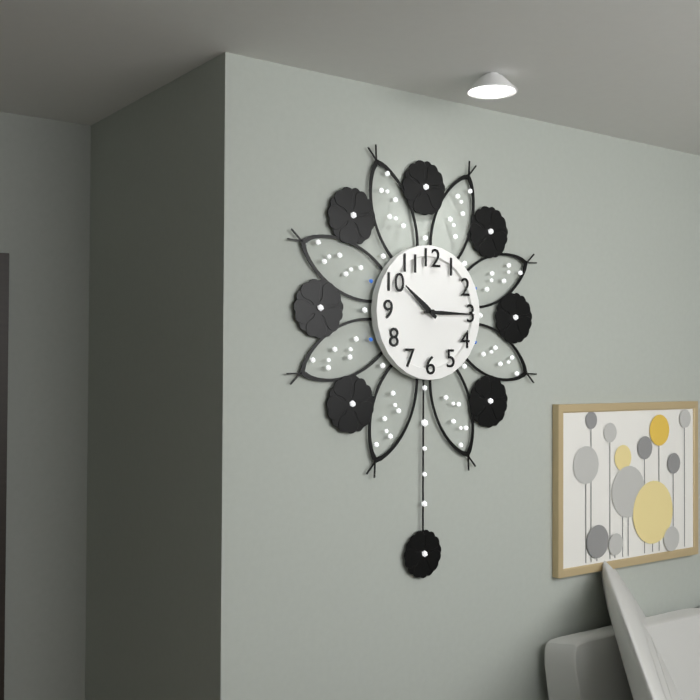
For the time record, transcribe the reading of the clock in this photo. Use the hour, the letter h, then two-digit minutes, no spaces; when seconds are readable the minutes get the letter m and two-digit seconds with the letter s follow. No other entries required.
10h15
